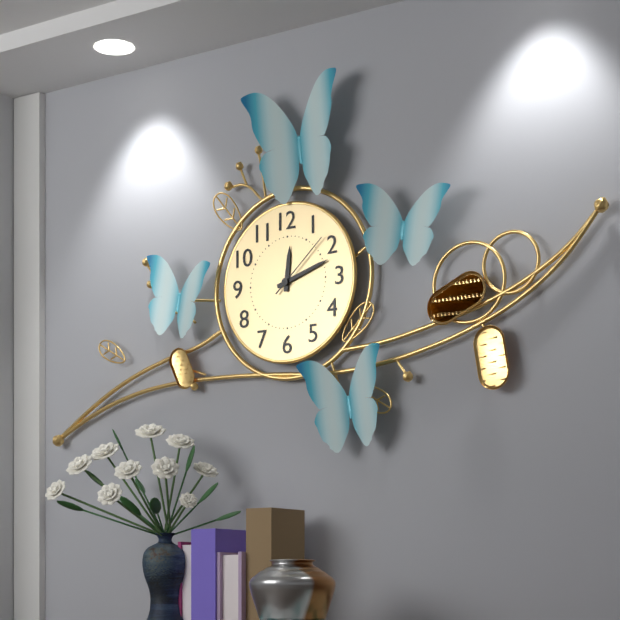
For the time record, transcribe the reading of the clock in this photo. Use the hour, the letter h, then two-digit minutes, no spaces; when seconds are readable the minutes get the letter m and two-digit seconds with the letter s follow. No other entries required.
12h12m08s
